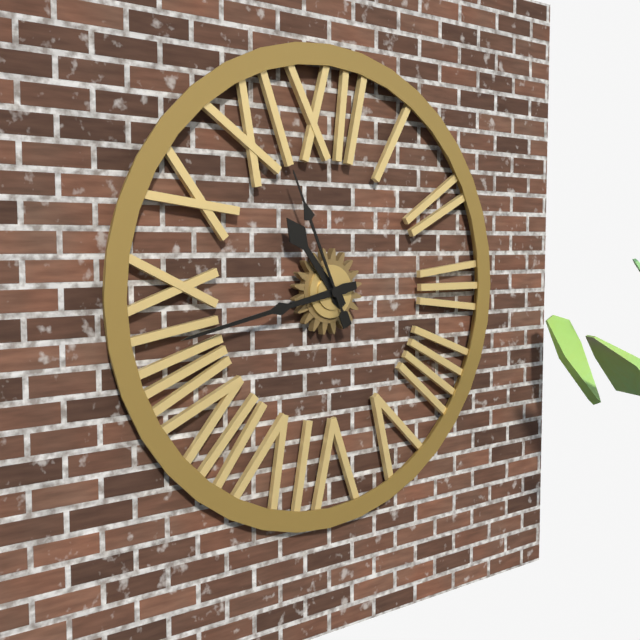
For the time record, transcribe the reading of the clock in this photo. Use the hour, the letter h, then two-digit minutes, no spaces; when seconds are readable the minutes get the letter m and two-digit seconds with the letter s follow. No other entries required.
10h43m56s
